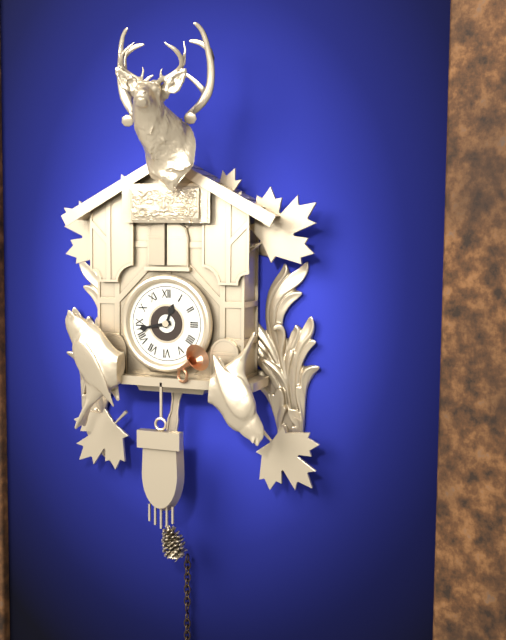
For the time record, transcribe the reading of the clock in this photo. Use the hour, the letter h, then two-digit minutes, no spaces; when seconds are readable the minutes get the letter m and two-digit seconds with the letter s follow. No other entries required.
12h43
